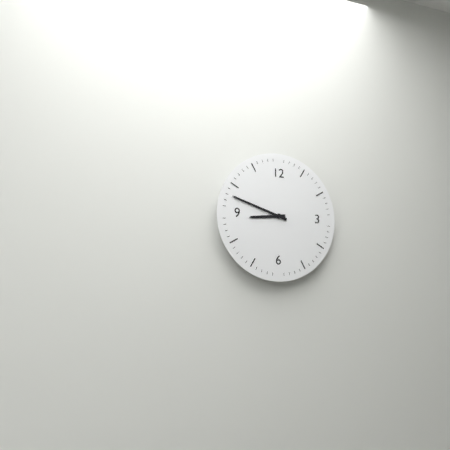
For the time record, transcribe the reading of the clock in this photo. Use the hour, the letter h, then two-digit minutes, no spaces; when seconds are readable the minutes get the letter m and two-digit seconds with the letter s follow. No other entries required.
8h48
